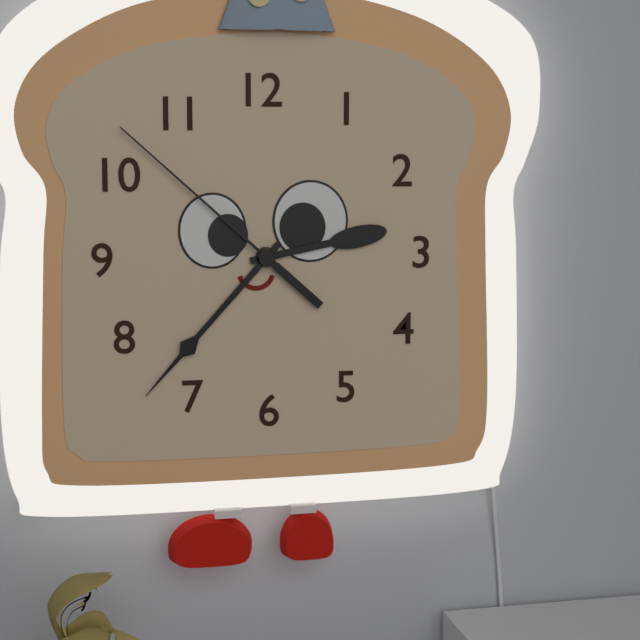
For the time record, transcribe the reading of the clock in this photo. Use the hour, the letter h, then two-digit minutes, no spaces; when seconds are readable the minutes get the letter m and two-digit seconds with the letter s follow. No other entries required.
2h37m52s
